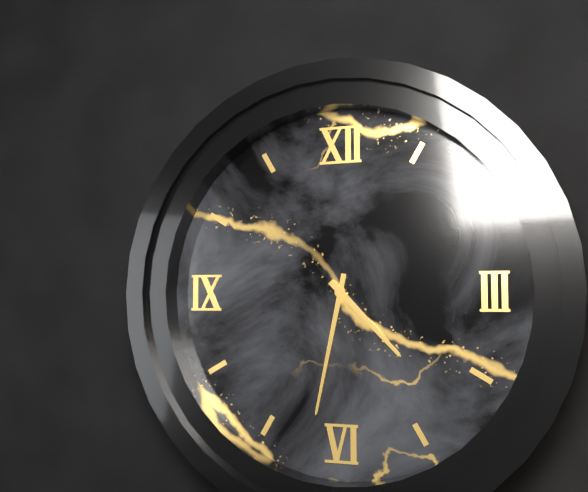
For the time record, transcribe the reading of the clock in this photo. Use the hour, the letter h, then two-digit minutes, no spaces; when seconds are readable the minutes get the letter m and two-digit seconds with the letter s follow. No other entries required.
4h32
